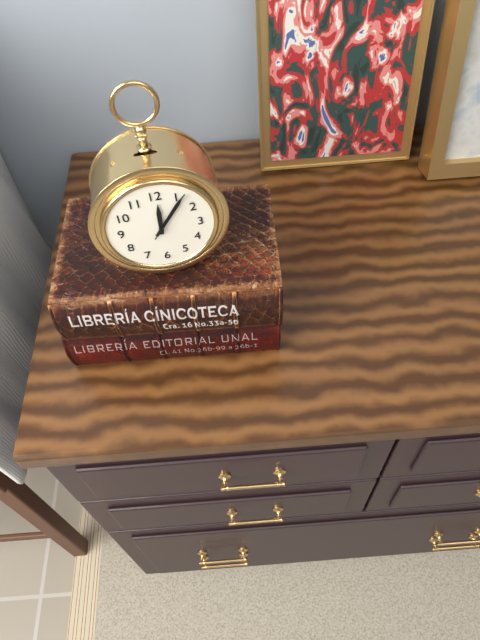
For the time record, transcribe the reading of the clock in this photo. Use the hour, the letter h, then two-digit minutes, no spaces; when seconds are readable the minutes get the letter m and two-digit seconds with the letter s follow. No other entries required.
12h06m06s
